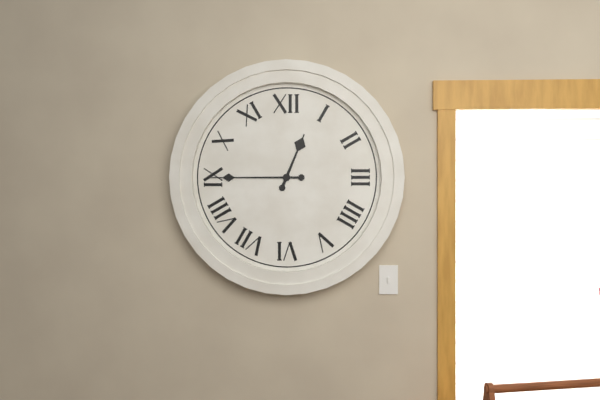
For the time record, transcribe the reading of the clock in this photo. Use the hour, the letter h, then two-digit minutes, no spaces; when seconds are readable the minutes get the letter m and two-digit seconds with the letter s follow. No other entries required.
12h45
